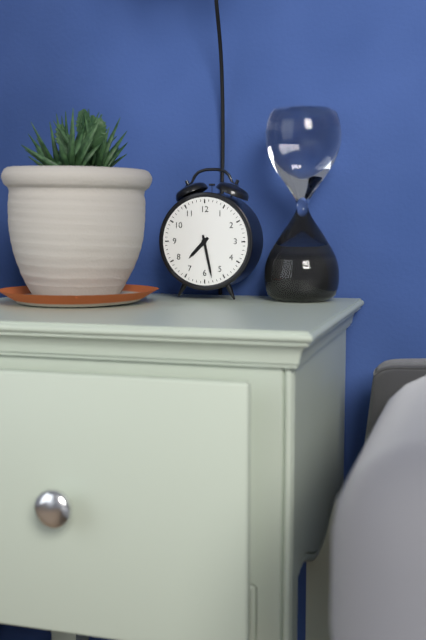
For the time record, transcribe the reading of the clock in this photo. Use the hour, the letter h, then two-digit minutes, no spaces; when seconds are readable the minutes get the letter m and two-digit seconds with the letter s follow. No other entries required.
7h28
